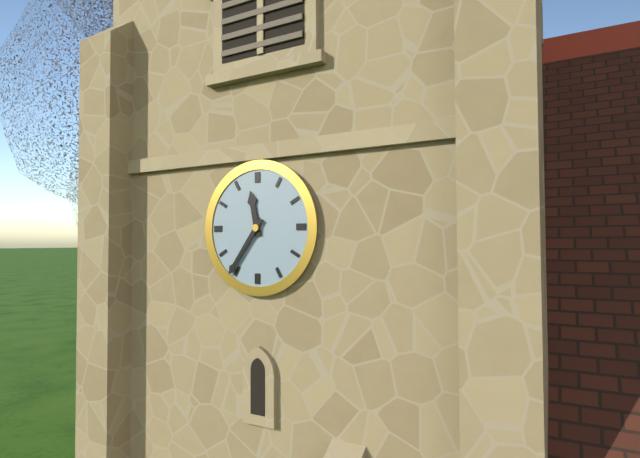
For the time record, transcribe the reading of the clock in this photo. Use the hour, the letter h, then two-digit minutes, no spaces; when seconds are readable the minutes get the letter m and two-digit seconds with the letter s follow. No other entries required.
11h36
